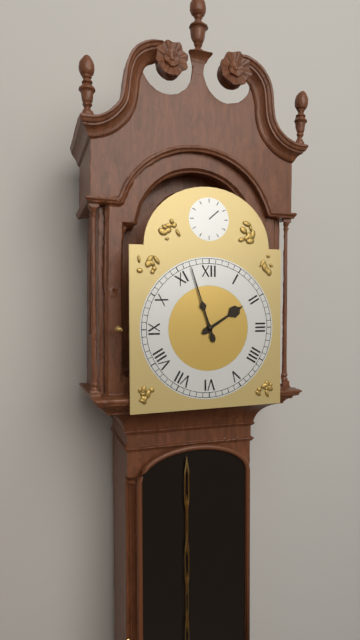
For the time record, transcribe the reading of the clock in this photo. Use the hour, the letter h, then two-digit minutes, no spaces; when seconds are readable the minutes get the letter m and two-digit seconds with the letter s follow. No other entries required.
1h57
